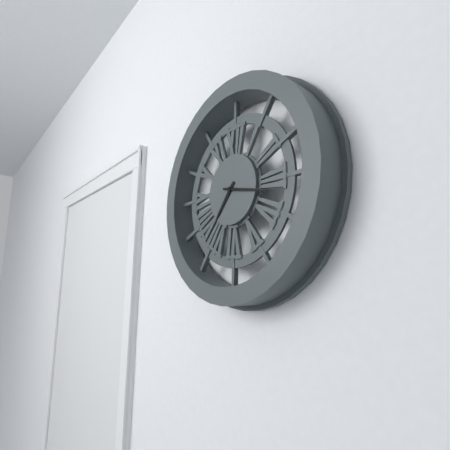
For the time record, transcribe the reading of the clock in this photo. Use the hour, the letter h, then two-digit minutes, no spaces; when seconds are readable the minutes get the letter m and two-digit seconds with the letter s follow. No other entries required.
7h17
